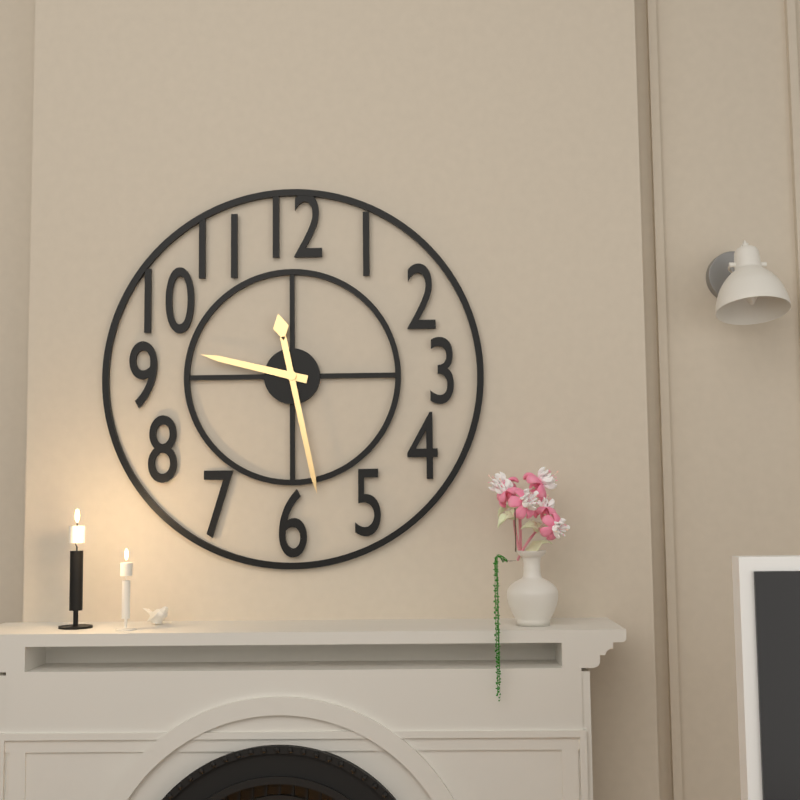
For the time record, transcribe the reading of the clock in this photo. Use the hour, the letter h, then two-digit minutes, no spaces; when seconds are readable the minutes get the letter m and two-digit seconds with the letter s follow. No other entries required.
9h28
